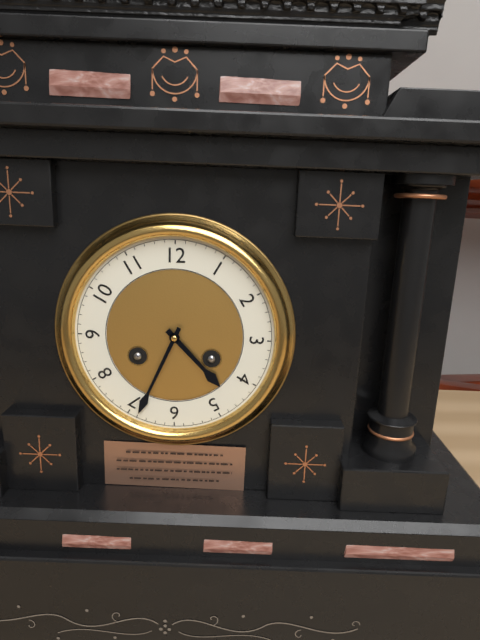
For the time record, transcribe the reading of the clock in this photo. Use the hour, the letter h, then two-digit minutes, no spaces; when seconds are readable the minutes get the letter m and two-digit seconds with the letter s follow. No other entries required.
4h34
